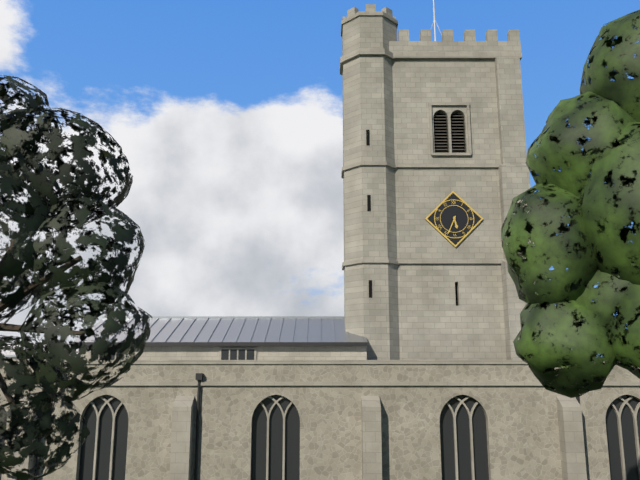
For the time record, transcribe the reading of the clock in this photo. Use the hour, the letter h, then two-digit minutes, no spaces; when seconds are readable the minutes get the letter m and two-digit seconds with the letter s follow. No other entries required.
5h34
